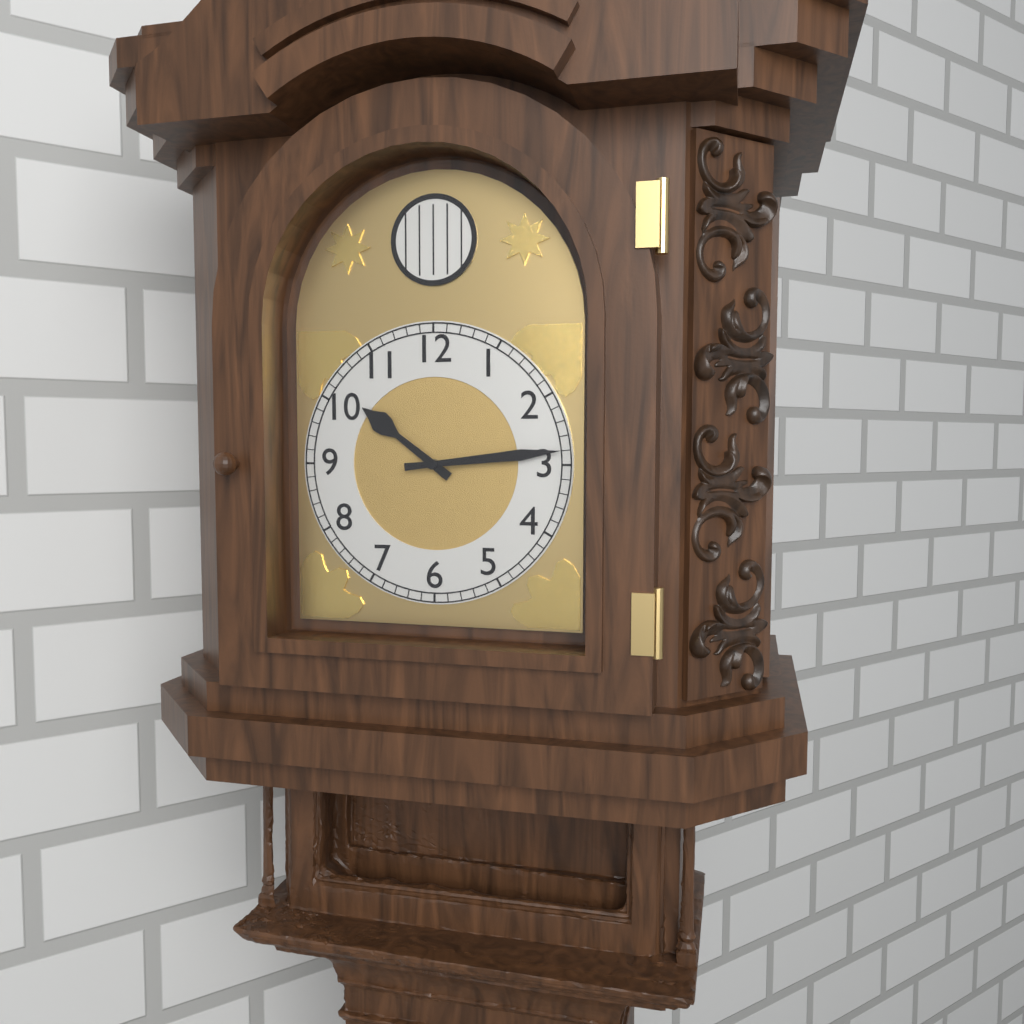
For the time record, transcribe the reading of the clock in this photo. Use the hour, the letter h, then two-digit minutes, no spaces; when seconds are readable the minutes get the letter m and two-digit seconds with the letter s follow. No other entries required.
10h14
